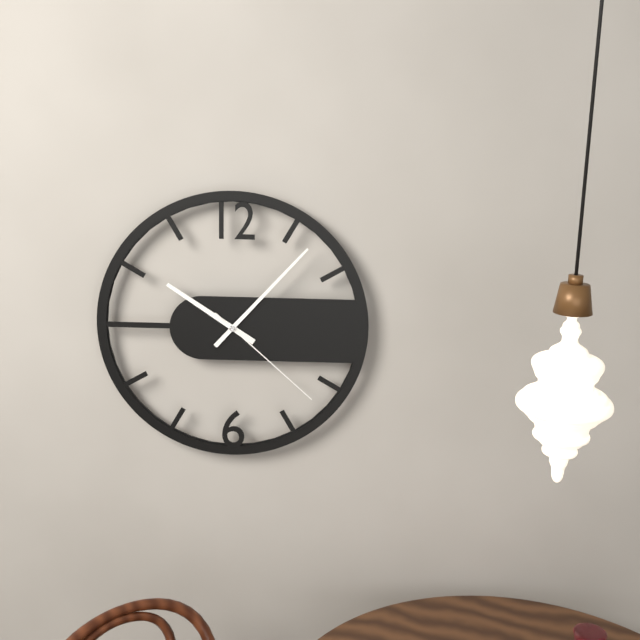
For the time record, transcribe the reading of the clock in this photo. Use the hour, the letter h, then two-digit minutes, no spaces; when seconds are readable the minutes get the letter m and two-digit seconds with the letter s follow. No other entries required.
10h07m22s
